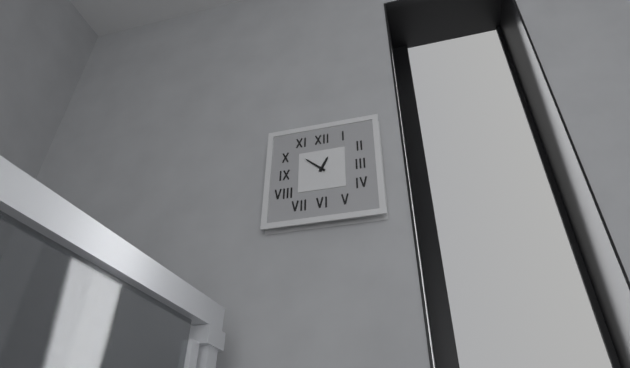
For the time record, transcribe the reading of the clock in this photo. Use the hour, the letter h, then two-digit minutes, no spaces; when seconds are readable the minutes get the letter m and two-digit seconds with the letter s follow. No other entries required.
12h52
